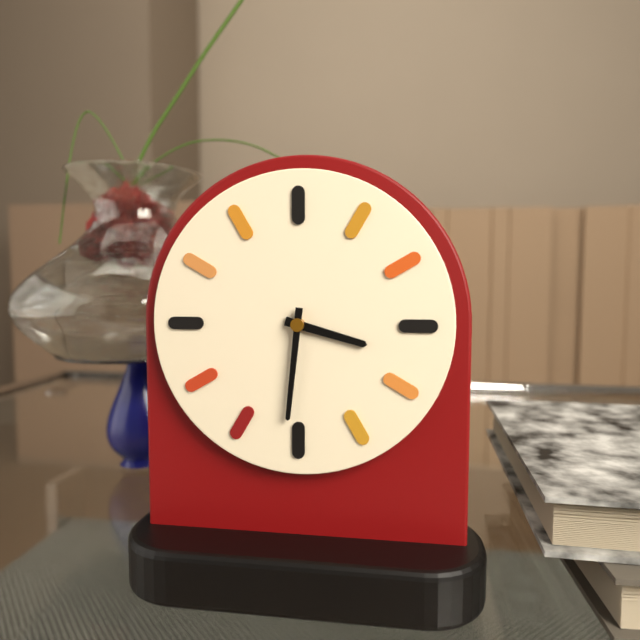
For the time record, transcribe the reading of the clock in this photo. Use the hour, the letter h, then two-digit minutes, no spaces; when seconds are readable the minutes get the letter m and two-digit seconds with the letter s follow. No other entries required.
3h31
